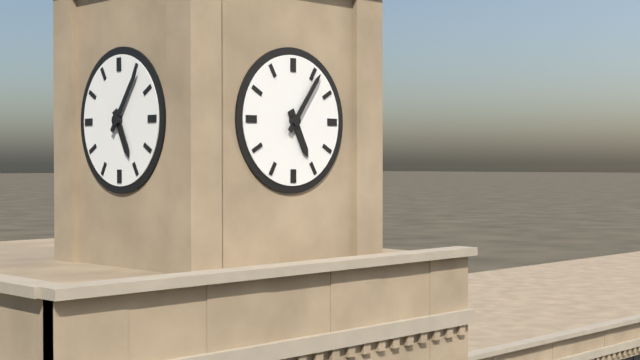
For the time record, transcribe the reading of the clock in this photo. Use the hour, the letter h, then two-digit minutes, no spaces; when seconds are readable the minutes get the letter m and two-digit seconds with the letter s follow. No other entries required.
5h06
